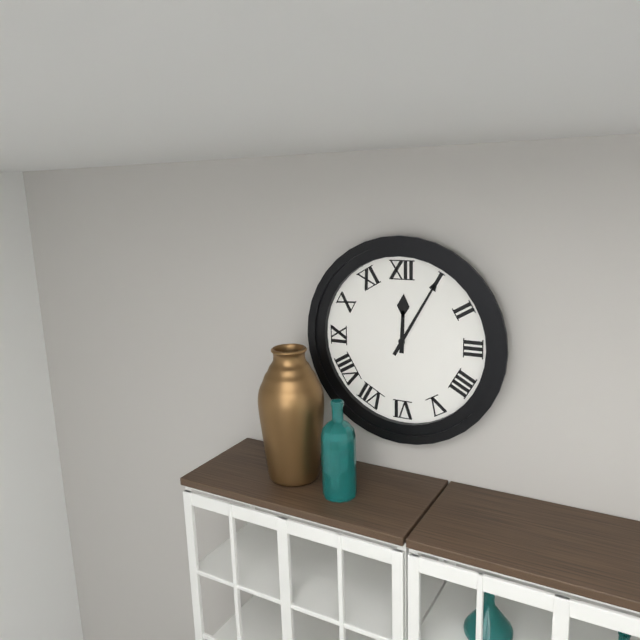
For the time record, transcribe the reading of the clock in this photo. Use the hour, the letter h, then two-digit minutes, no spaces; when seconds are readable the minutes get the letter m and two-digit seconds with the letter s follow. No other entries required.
12h05
